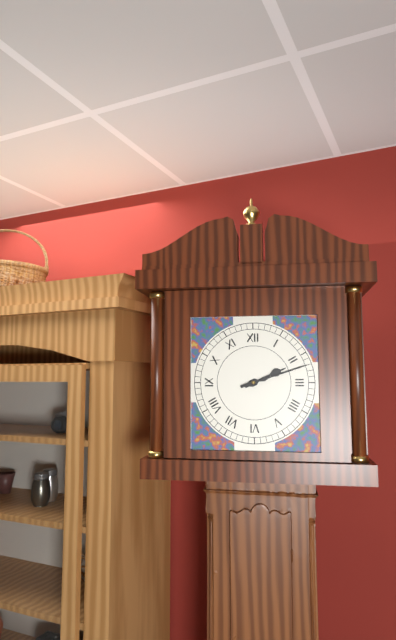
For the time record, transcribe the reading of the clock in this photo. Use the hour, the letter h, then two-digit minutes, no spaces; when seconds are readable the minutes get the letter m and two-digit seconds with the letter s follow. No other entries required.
2h12
